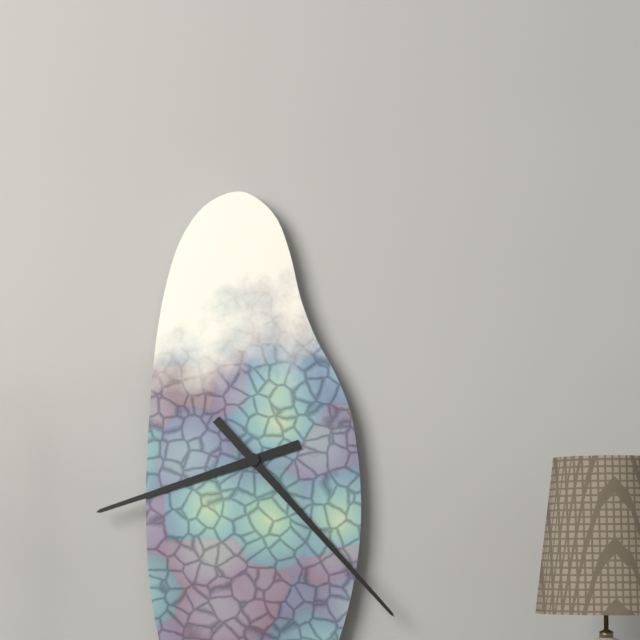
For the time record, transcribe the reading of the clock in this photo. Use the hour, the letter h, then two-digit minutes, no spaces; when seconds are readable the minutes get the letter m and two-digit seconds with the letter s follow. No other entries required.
8h23
